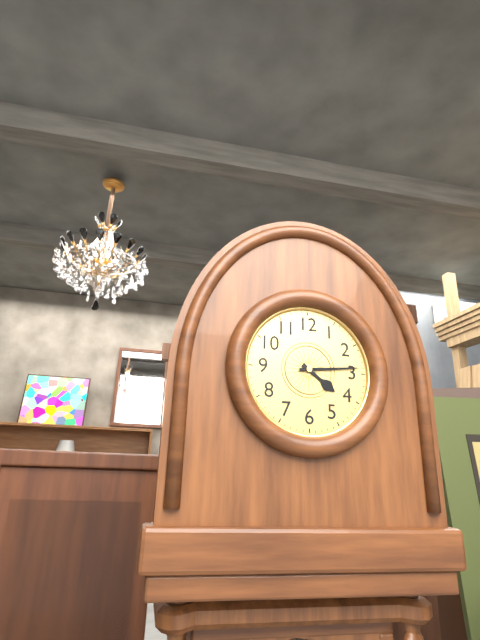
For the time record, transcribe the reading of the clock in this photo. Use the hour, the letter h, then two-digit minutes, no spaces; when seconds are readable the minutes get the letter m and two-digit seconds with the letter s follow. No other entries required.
4h14
